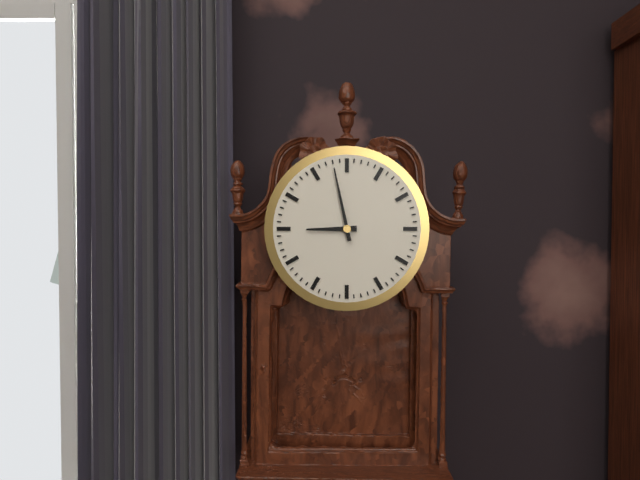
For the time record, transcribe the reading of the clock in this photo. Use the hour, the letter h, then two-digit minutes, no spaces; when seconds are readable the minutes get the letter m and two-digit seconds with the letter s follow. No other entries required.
8h58
